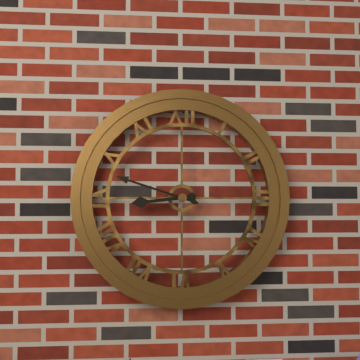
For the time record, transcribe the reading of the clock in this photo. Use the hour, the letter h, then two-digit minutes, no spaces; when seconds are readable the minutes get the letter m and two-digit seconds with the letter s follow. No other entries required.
8h48
